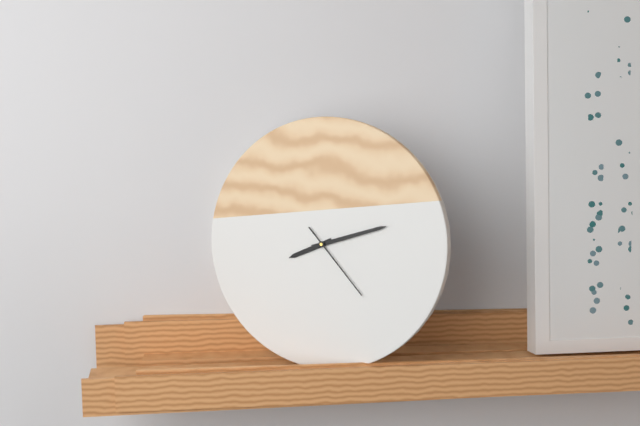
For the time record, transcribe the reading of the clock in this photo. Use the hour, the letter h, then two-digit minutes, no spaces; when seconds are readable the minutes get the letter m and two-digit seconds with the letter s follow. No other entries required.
8h12m23s
